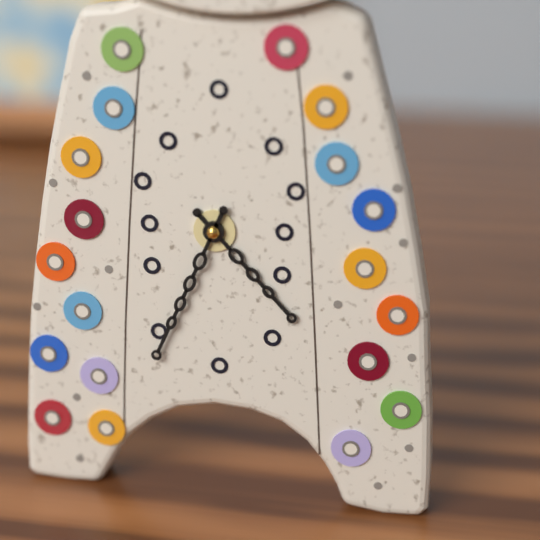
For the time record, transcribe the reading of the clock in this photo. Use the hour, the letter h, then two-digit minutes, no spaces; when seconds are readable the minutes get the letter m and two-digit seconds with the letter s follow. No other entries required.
4h34
